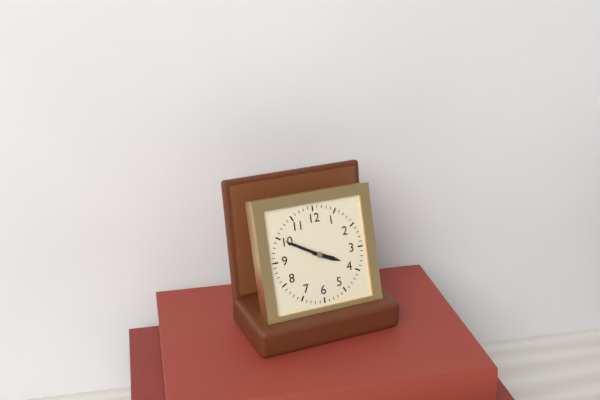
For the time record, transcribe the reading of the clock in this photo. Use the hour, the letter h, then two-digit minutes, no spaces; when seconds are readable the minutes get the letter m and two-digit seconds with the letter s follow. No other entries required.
3h50
